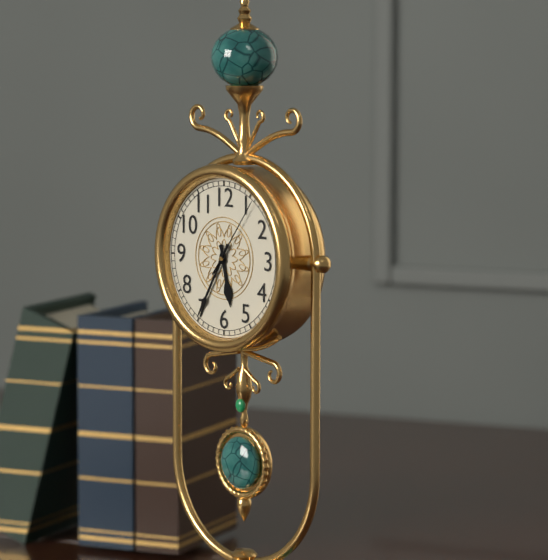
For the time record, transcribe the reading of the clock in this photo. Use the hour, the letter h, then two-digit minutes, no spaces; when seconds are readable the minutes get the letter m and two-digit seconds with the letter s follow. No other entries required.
5h35m06s
